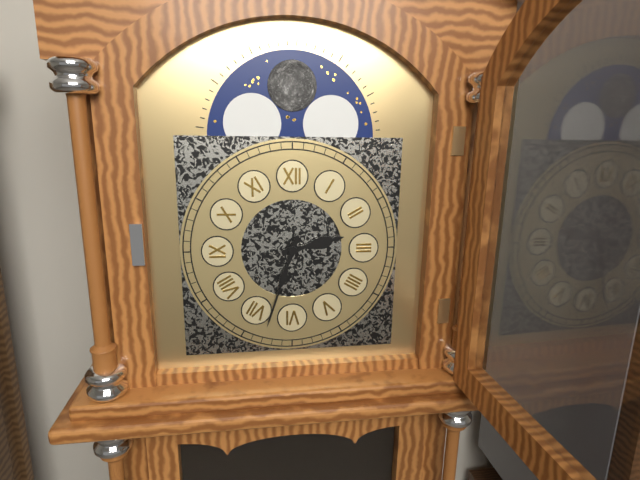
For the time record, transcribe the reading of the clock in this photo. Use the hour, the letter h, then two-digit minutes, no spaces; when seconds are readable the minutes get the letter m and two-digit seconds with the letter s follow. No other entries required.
2h33
